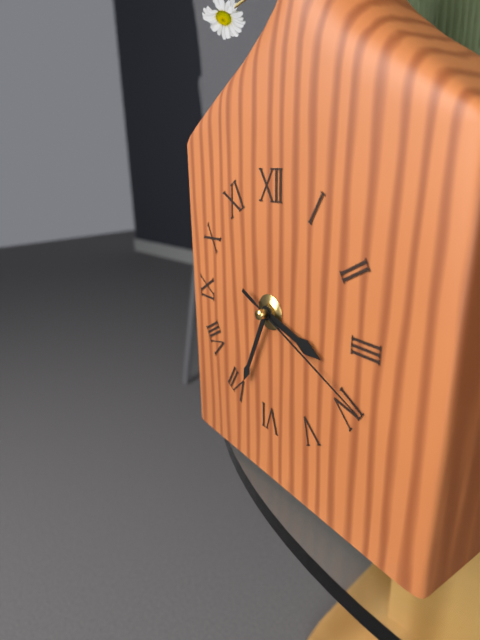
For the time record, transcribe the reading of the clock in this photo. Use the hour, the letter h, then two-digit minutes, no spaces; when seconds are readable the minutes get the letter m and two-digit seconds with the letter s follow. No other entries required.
3h34m19s
